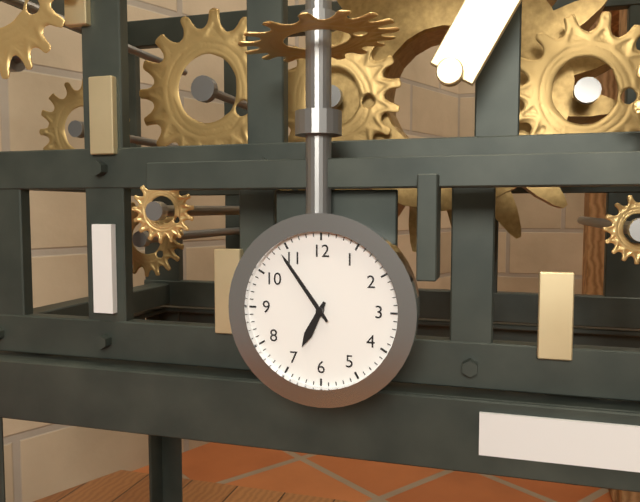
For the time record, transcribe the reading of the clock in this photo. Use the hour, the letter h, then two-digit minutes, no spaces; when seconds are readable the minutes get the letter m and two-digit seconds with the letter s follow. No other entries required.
6h54
